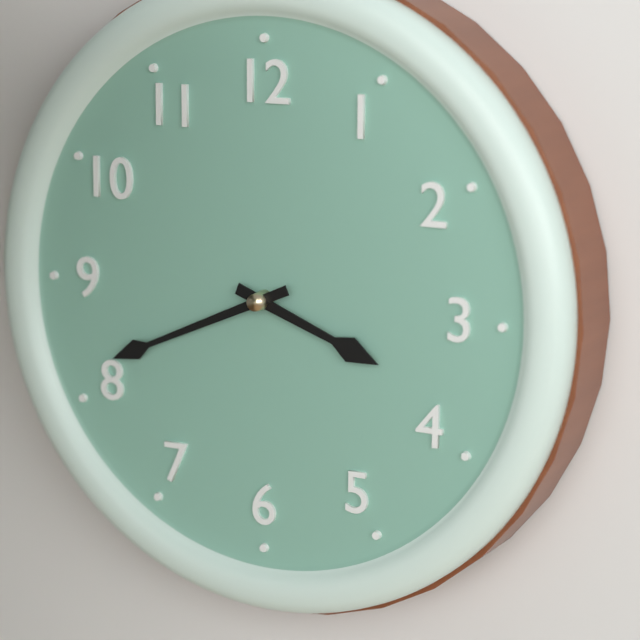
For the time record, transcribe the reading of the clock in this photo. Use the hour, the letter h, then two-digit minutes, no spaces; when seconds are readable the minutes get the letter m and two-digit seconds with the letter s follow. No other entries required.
3h41
